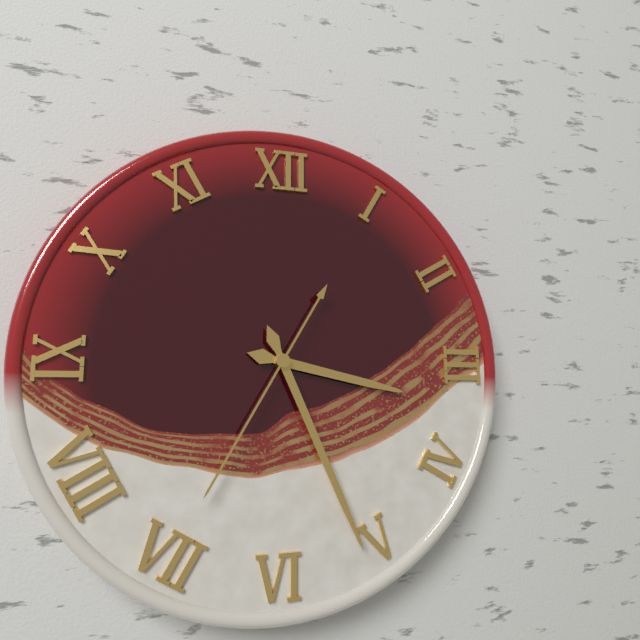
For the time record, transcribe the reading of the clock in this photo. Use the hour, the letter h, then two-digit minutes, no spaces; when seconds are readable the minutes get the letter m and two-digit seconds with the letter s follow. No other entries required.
3h26m35s
